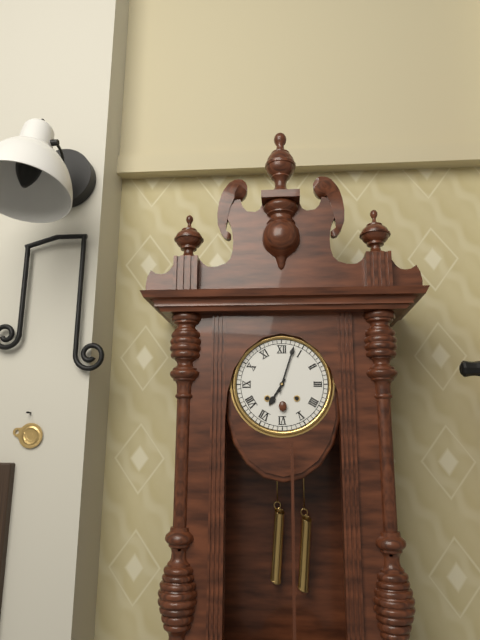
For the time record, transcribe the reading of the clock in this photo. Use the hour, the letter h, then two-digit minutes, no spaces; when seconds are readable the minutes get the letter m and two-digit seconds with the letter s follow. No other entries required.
7h03
